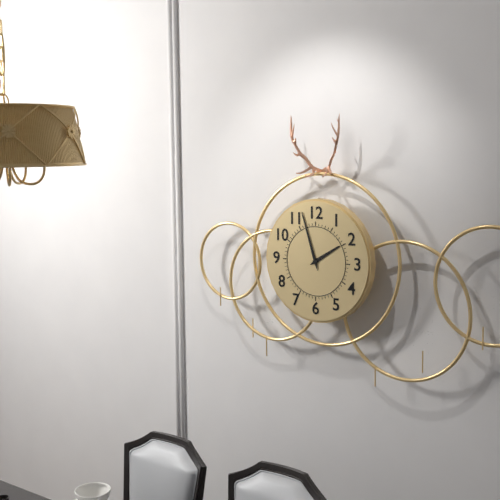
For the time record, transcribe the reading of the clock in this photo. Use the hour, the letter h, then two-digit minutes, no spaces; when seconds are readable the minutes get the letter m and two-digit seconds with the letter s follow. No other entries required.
1h57
